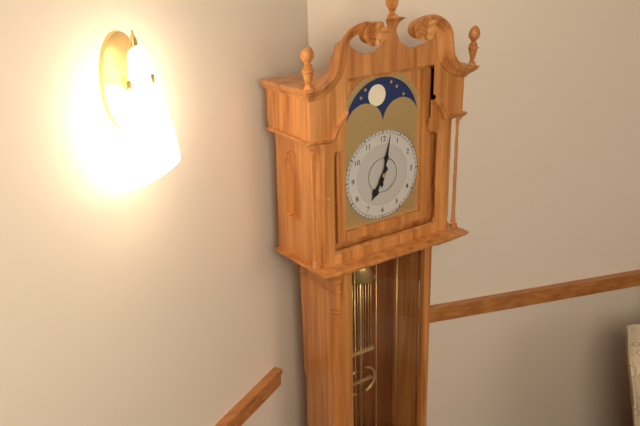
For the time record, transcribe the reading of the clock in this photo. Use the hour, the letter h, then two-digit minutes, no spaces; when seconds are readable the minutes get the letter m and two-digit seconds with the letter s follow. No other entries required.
7h02
